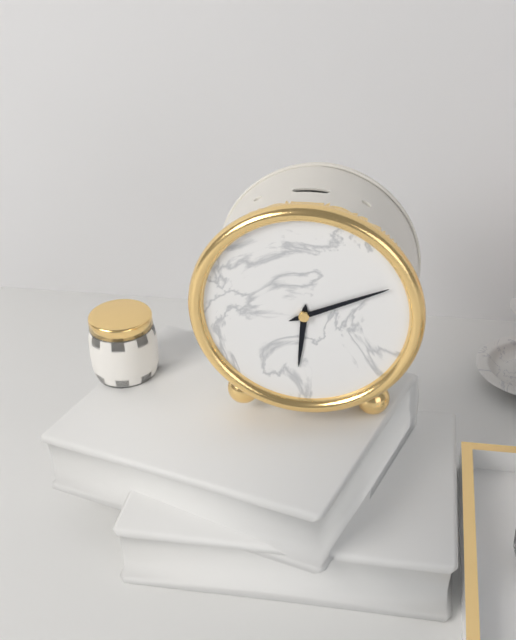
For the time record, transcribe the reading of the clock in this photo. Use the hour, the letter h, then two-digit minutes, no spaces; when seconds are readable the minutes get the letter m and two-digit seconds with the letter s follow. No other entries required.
6h11
